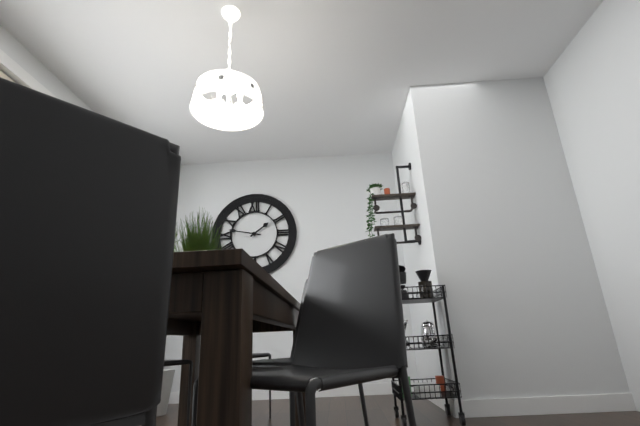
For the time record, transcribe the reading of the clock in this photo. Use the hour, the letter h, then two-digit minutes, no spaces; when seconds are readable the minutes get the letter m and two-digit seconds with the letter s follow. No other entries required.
1h47
